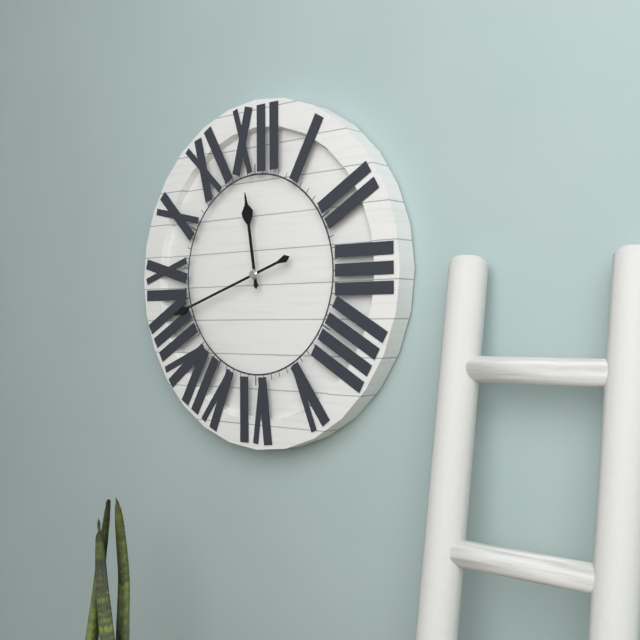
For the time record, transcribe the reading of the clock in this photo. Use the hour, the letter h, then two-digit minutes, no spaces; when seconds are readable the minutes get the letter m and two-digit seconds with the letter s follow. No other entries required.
11h42
